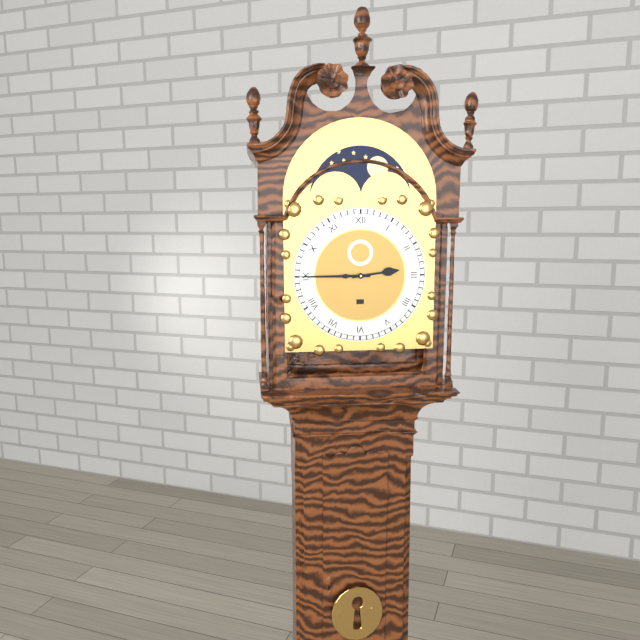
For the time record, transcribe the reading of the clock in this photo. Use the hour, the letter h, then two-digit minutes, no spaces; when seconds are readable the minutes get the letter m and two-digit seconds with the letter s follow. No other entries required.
2h45
